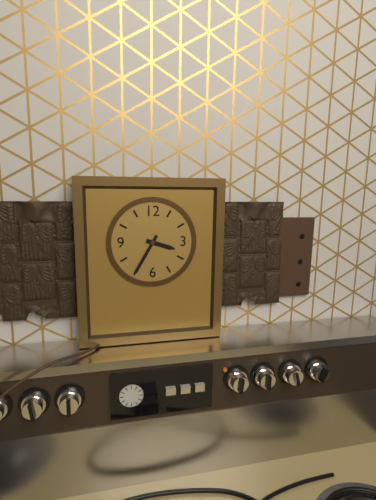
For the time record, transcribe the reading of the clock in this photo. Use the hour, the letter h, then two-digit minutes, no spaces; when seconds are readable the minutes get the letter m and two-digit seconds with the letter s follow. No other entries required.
3h35
